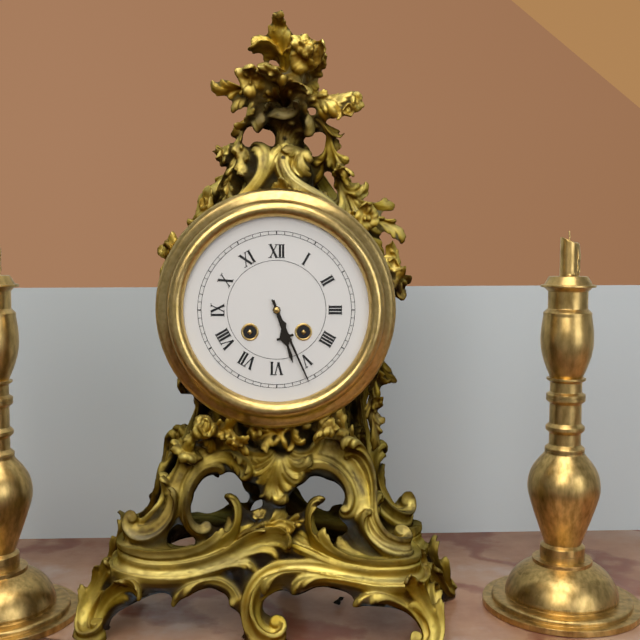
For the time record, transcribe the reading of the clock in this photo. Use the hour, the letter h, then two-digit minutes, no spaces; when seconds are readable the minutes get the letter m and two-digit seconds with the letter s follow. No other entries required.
5h26
